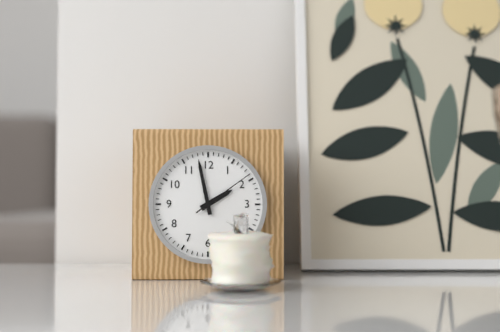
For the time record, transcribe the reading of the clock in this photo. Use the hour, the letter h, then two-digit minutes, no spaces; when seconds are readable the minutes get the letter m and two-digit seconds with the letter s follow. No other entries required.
1h58m09s
